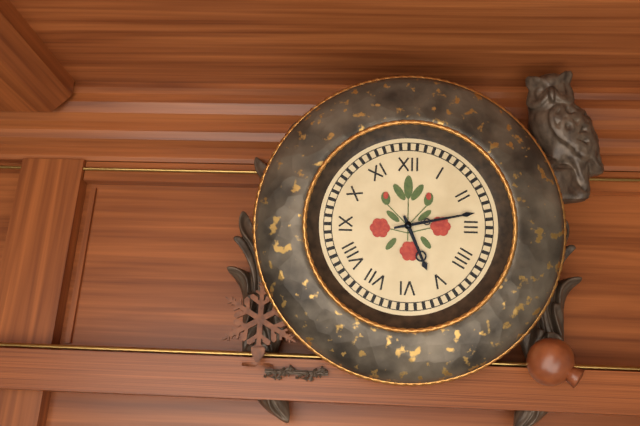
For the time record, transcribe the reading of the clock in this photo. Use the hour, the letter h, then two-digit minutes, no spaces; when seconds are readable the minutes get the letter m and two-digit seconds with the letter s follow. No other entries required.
5h13
